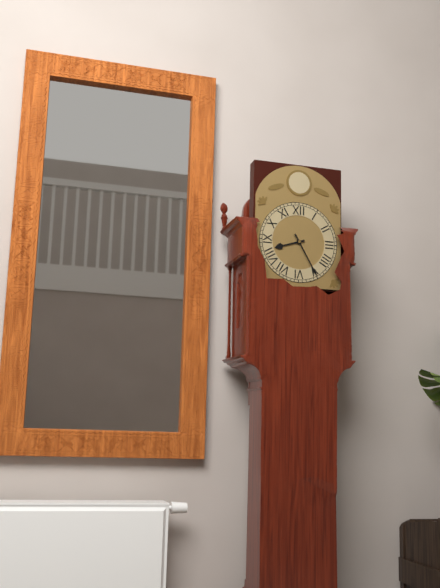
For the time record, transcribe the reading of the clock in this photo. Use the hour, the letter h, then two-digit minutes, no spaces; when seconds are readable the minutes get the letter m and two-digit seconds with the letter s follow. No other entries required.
8h25
